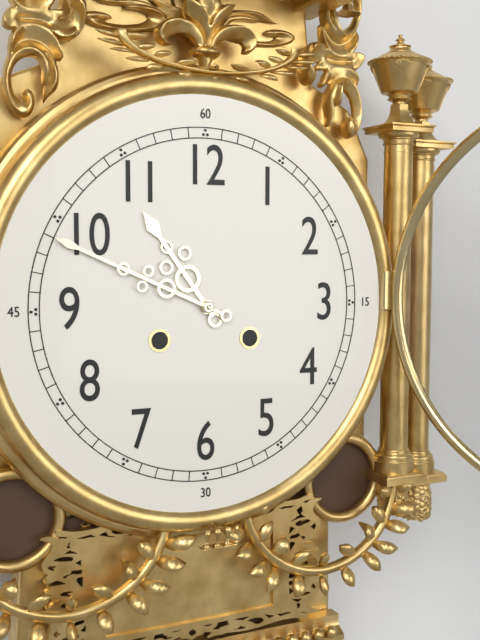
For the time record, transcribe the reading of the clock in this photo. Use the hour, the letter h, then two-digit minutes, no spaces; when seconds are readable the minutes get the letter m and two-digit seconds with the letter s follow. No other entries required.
10h49
